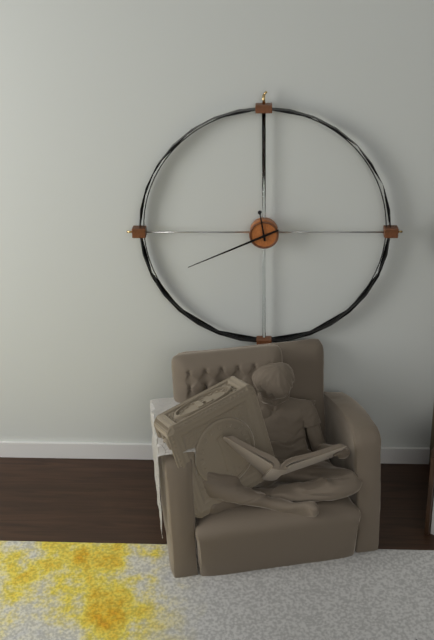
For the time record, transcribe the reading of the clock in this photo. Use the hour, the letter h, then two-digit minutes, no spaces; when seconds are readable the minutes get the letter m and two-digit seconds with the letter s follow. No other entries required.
11h41
